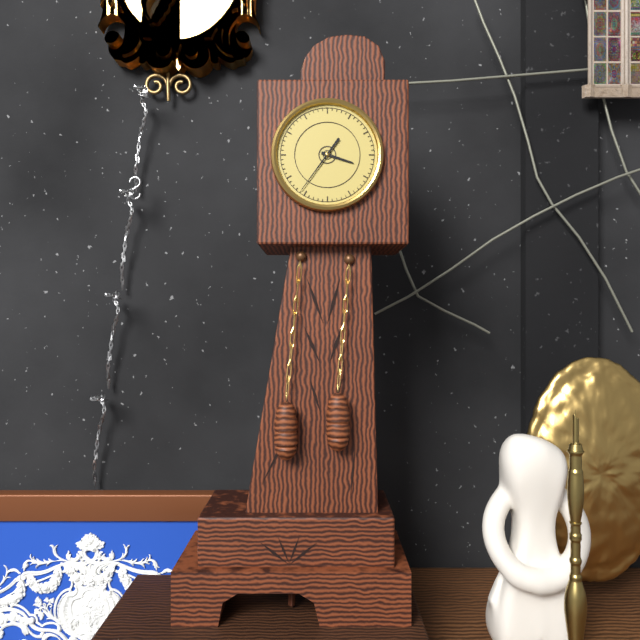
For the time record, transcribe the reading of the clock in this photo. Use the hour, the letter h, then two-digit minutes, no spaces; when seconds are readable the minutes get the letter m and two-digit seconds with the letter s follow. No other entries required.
3h36
